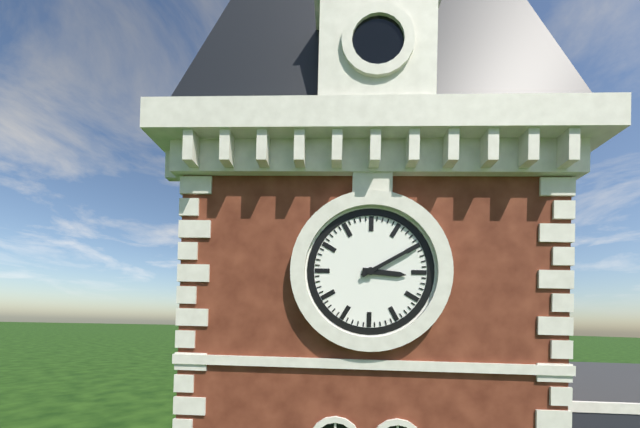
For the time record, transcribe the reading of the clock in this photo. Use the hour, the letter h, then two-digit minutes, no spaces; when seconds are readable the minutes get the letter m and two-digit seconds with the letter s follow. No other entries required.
3h10
